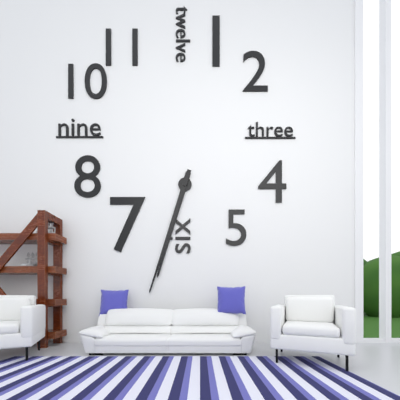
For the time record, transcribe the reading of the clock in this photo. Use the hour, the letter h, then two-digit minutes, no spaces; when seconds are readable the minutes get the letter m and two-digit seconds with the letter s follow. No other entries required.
6h33
